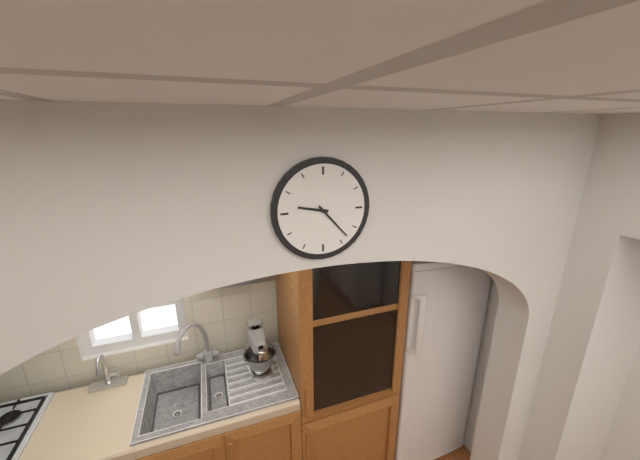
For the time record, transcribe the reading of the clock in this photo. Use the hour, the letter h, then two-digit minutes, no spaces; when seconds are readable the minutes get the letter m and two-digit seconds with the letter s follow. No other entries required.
9h23
